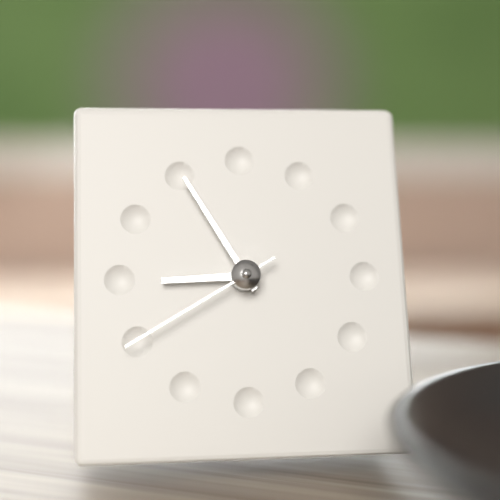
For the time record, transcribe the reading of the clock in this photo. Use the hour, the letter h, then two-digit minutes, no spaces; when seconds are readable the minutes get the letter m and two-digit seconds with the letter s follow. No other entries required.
8h55m40s
